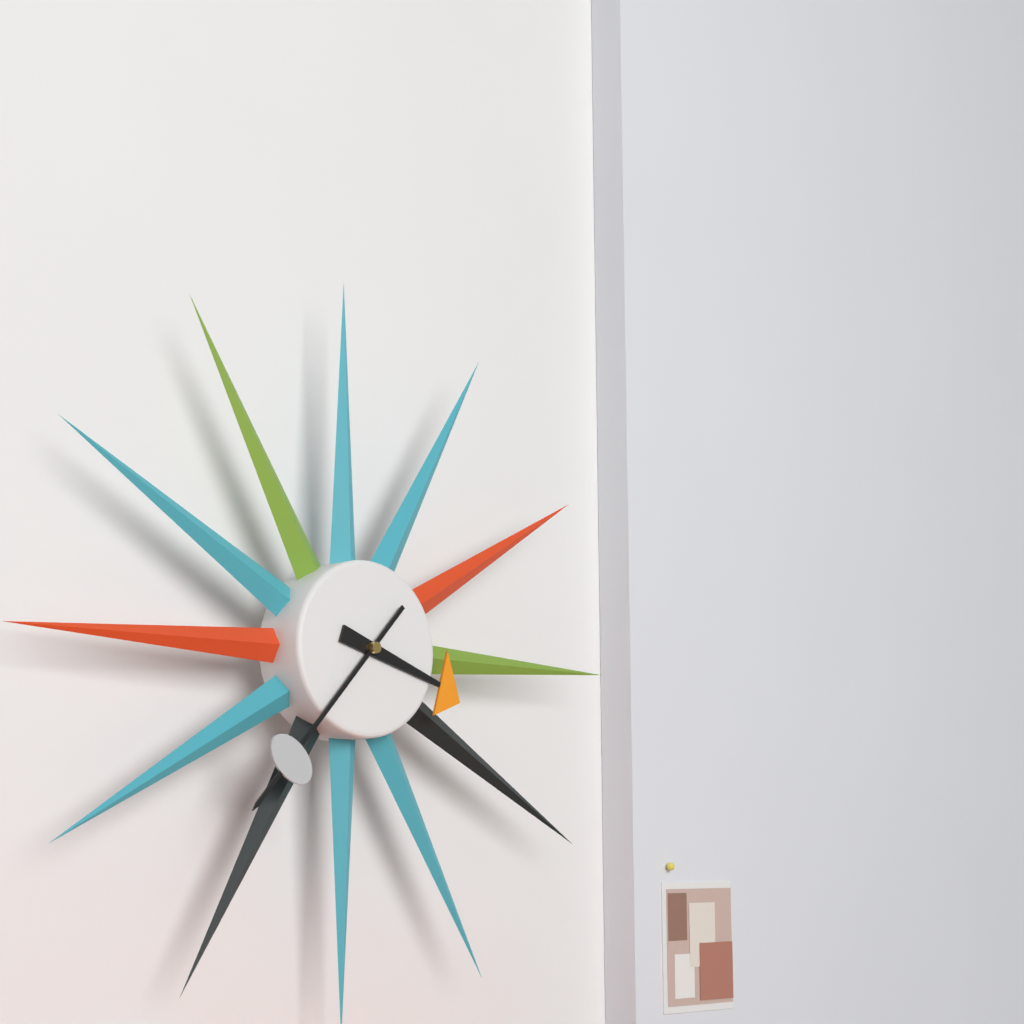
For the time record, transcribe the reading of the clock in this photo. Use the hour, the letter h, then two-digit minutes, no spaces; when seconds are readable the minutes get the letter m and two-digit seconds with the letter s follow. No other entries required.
3h37
